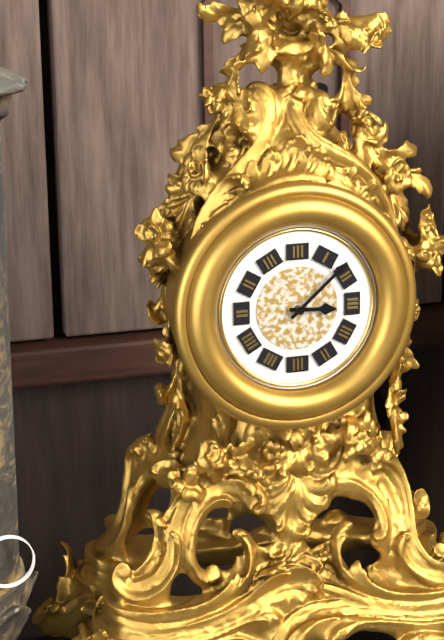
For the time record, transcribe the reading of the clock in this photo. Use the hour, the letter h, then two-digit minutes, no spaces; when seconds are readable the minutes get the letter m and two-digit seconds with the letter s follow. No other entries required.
3h08
